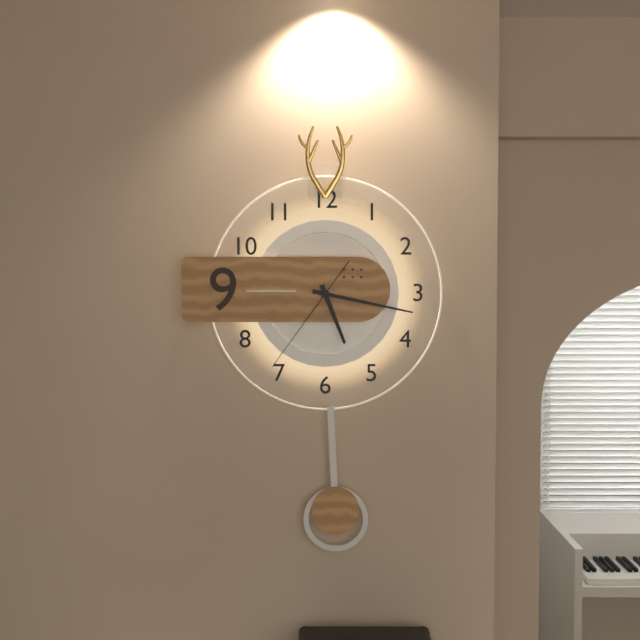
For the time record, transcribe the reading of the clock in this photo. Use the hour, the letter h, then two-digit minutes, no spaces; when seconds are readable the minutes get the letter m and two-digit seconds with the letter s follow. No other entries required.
5h17m36s
